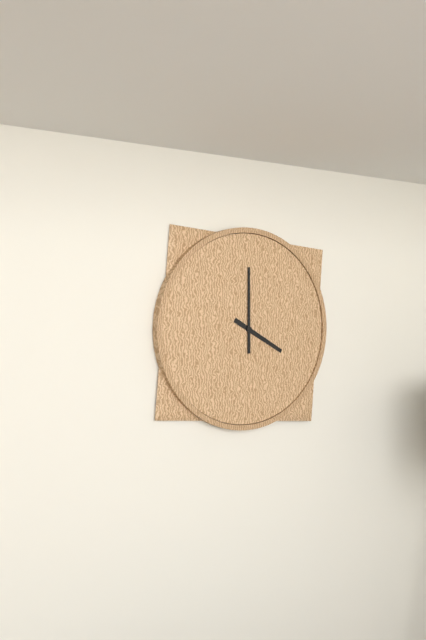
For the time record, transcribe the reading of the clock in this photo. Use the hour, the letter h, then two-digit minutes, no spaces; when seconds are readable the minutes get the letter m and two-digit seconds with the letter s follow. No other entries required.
4h00
